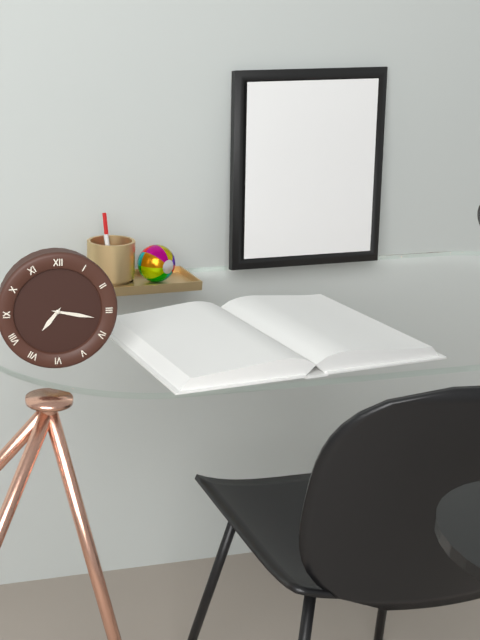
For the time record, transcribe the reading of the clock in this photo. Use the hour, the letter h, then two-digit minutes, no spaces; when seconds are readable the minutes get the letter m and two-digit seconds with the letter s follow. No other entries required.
7h17
